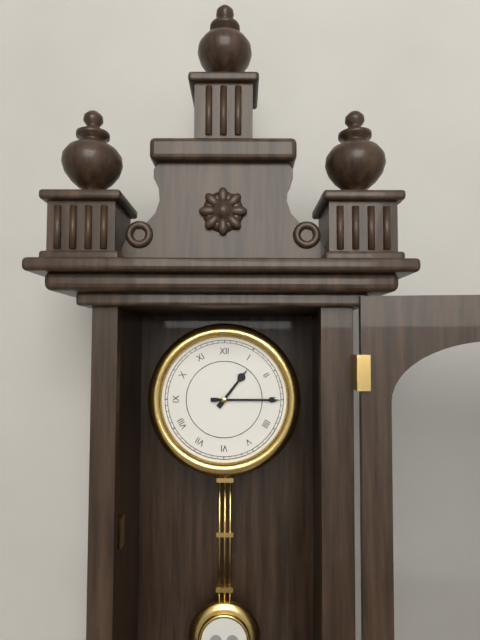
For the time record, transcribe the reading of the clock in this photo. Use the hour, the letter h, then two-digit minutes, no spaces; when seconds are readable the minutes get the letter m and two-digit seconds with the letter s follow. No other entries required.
1h15
